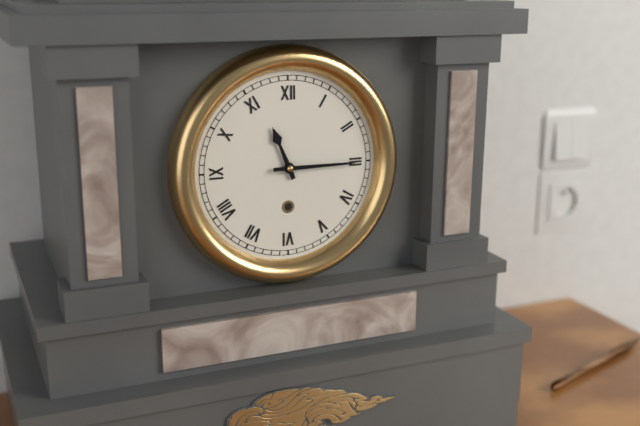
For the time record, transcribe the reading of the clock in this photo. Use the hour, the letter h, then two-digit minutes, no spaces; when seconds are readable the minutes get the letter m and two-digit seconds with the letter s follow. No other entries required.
11h15
